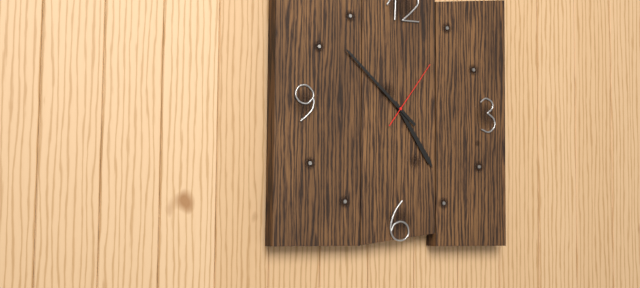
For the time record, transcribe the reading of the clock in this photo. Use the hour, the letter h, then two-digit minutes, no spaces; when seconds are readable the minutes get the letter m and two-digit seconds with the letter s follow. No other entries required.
4h52m06s
